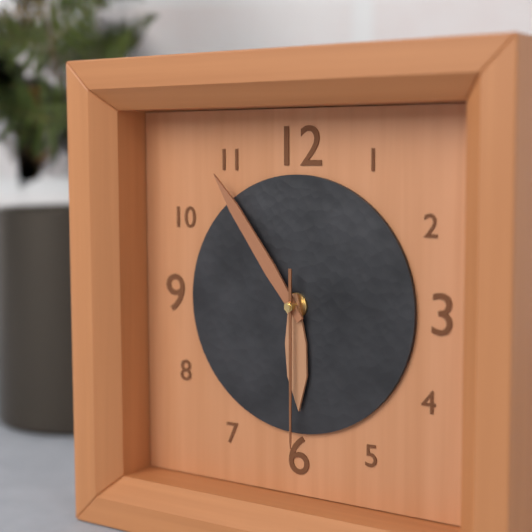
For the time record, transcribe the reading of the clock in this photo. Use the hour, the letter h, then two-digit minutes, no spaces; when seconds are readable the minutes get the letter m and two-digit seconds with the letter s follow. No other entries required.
5h54m30s
